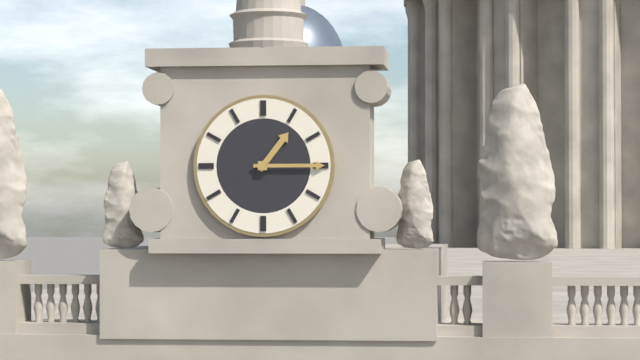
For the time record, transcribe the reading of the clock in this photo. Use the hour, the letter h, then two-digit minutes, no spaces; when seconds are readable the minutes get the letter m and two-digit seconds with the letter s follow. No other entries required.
1h15
